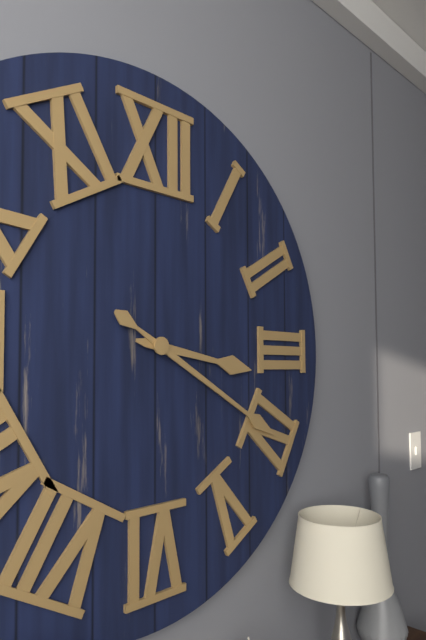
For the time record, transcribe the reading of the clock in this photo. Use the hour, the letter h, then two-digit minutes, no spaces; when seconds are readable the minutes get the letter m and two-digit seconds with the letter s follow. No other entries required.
3h20
